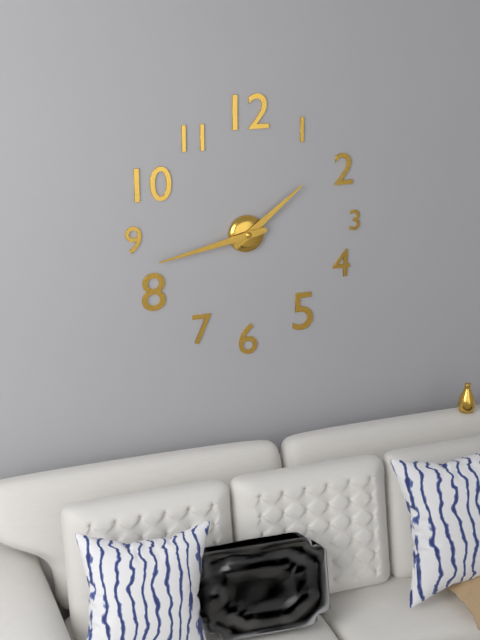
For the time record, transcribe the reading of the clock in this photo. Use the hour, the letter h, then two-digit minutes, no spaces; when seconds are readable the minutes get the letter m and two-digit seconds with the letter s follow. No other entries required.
1h43
